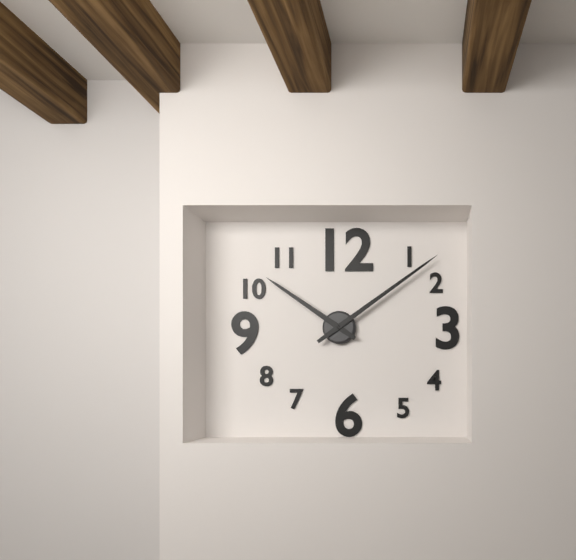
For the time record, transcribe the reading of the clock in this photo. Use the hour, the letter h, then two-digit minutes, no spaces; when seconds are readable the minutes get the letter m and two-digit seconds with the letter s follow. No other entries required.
10h09
